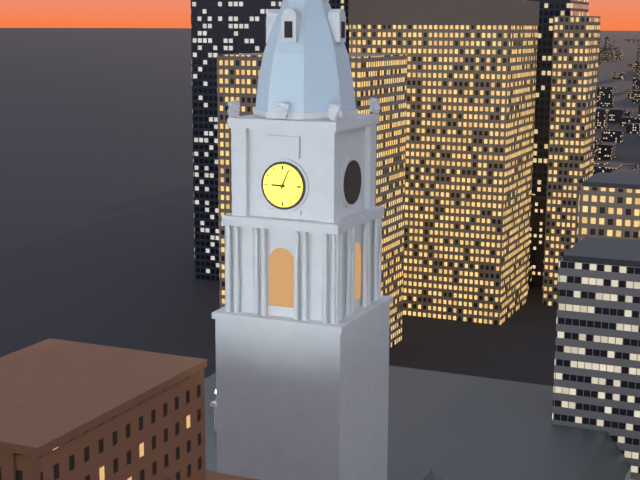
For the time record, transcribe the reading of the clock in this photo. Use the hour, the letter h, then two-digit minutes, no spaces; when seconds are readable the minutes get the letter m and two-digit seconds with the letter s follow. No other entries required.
9h04
